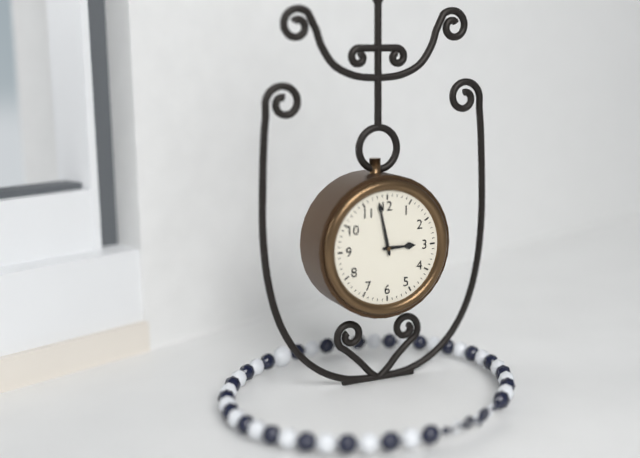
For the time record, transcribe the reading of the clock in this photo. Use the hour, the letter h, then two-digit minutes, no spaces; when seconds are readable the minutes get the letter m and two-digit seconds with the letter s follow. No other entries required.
2h58
